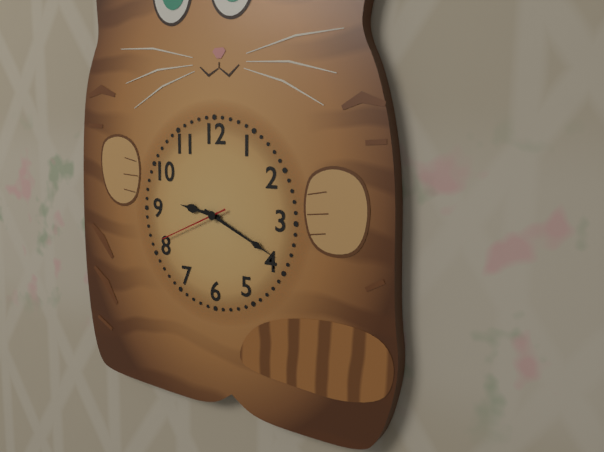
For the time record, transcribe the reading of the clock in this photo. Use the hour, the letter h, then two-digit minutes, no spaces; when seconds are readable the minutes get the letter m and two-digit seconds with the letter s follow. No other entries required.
9h19m41s
